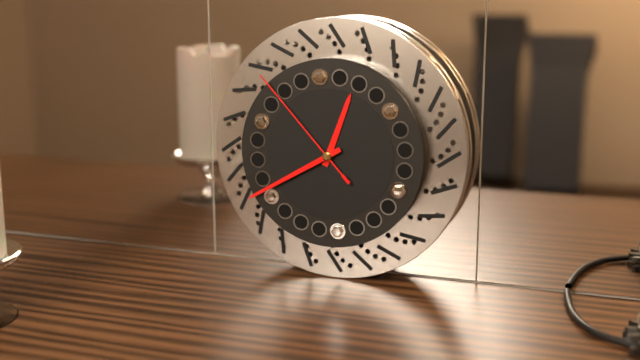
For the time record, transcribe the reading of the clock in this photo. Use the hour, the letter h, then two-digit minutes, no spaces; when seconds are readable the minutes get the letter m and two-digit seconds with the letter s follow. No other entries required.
12h40m53s
